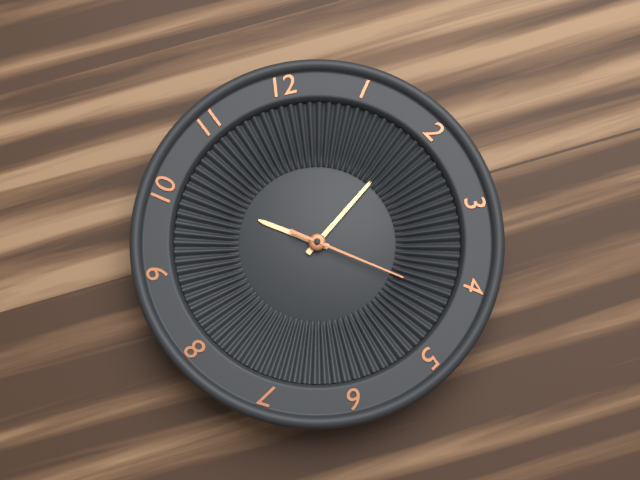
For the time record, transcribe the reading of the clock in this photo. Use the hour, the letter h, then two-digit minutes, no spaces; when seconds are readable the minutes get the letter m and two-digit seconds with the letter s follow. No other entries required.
10h09m21s
